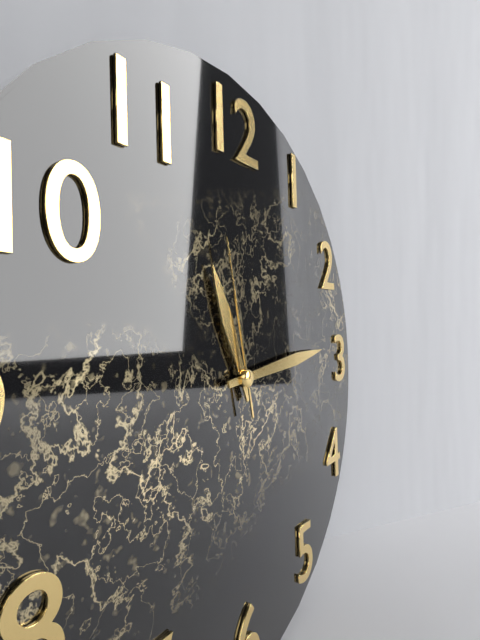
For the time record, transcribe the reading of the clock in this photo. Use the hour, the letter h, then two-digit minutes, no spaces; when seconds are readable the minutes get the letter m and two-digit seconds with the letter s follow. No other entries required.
11h14m58s
